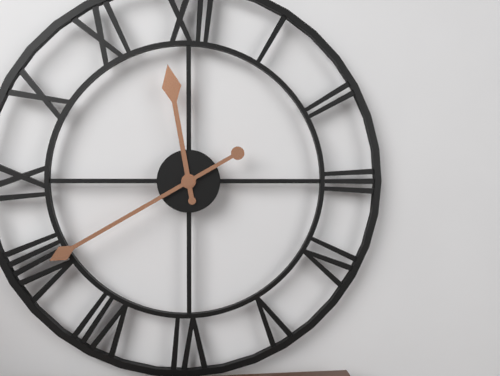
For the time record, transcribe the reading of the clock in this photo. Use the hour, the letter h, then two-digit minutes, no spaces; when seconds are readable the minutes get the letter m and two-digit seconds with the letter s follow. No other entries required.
11h40
